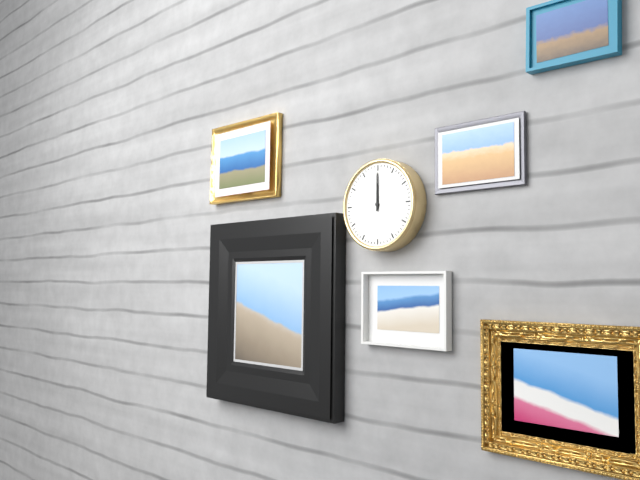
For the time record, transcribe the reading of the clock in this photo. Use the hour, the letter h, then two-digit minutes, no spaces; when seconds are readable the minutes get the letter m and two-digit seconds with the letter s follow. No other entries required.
12h00
